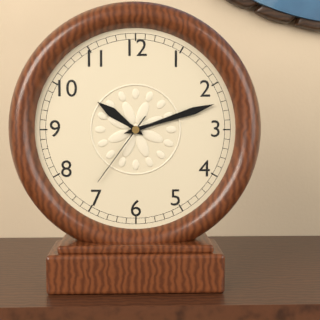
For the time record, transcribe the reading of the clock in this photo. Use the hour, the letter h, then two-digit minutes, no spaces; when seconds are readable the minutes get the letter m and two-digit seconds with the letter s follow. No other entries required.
10h12m36s
